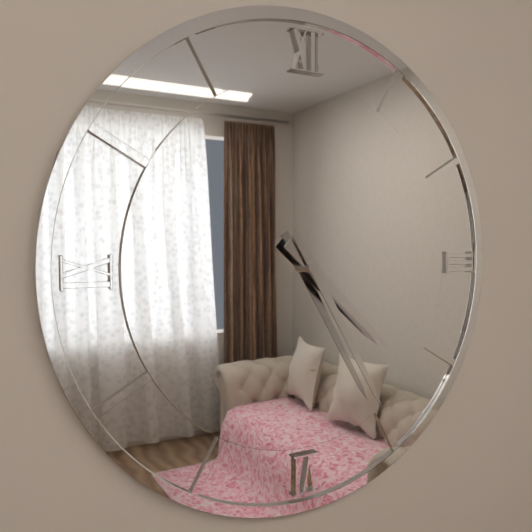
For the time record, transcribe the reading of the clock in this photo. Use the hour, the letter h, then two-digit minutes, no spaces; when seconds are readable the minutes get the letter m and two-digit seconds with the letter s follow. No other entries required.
4h25
